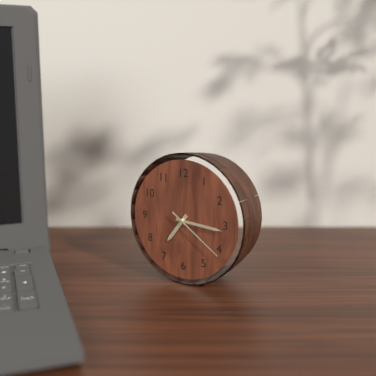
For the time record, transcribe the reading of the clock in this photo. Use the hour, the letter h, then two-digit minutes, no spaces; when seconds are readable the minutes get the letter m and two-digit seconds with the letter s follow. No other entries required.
7h16m21s
